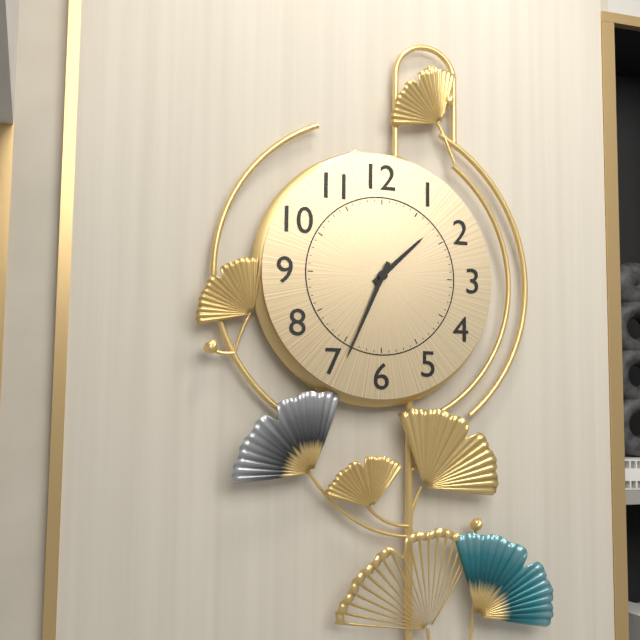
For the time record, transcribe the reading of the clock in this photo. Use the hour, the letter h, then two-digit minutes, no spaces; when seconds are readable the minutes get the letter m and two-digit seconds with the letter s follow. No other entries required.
1h34
